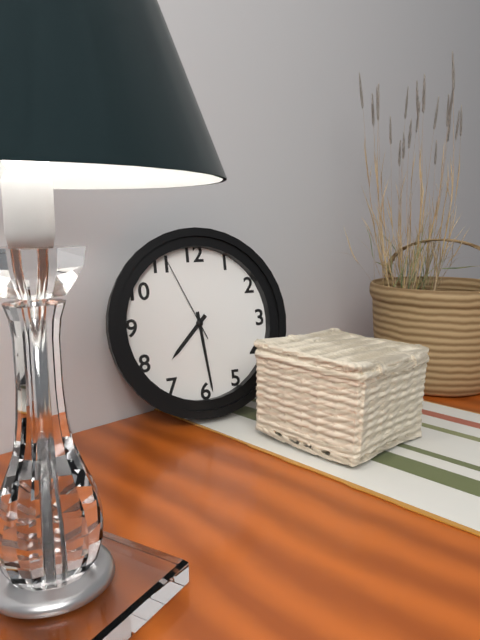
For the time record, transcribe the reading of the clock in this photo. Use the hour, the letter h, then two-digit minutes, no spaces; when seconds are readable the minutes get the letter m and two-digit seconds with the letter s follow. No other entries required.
7h29m56s
